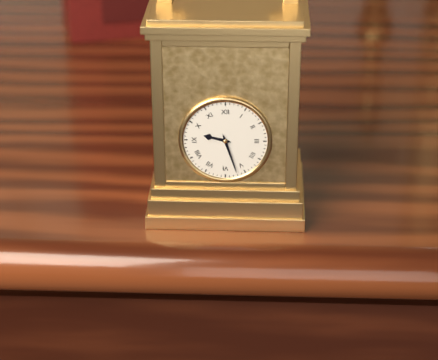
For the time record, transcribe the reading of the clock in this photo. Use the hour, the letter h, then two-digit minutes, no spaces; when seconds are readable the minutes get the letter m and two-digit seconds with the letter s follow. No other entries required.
9h27
